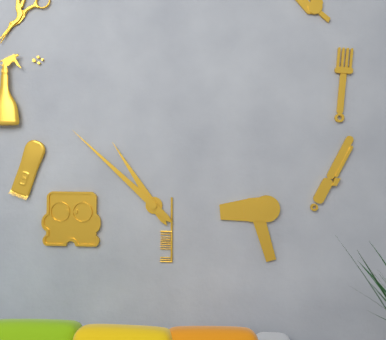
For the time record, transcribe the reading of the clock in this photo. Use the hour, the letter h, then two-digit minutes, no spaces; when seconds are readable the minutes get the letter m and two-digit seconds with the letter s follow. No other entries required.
10h52
